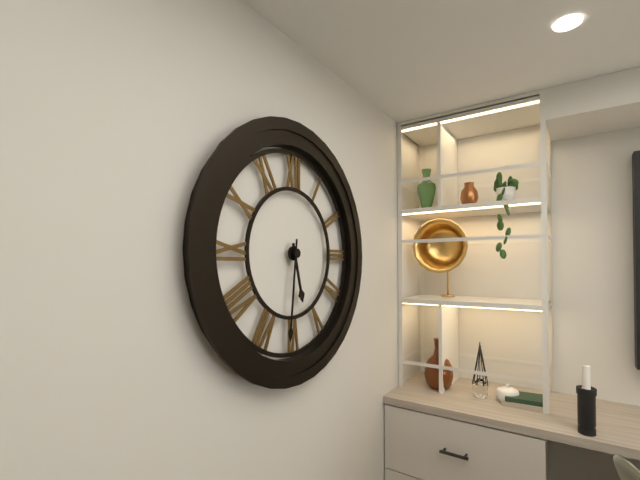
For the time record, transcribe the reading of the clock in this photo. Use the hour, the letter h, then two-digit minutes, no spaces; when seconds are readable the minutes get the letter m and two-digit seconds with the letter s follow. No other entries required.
5h31
